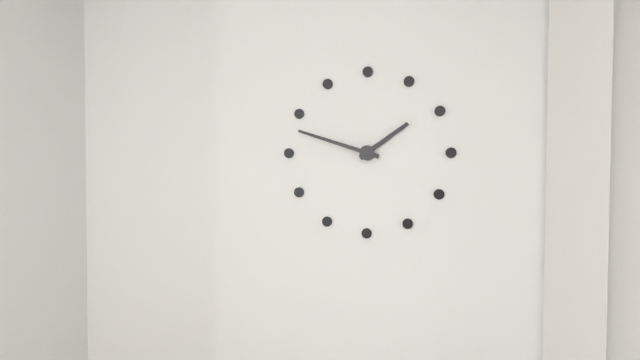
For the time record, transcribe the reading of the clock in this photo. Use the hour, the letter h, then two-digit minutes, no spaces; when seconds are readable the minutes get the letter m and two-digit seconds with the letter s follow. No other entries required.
1h48
